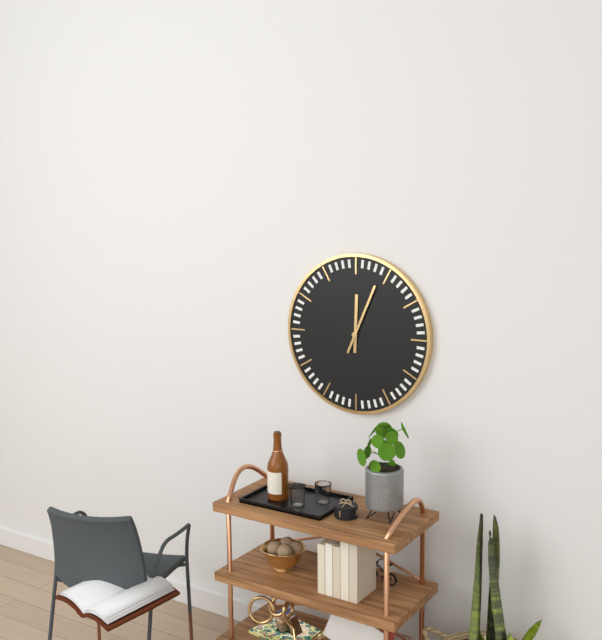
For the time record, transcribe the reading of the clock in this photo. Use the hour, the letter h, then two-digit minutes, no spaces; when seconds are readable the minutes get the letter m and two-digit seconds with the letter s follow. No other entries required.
12h04
